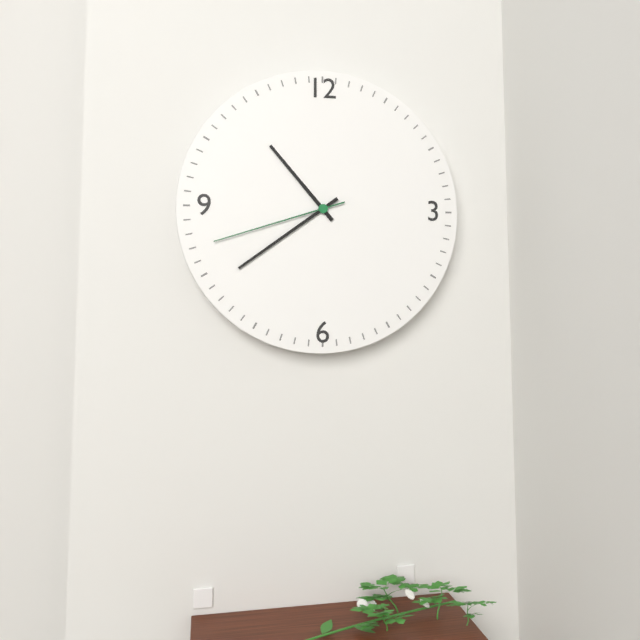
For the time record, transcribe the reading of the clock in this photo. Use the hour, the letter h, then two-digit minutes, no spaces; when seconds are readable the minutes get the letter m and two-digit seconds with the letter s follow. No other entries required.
10h39m42s
